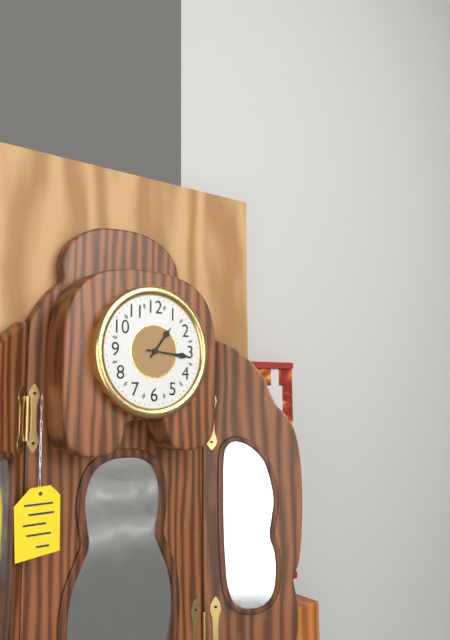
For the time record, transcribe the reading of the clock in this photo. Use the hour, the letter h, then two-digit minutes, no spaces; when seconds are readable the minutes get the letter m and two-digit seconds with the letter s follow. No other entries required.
1h16
